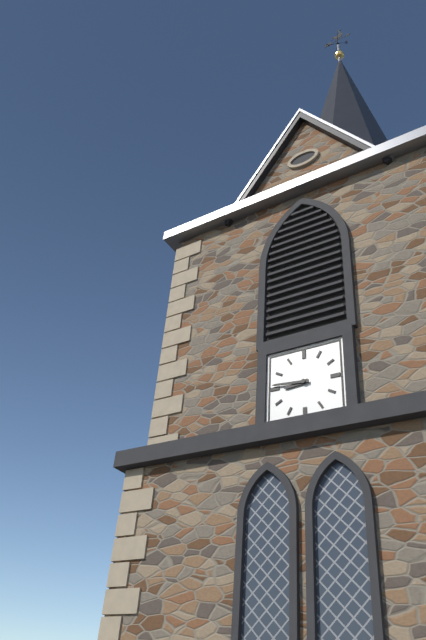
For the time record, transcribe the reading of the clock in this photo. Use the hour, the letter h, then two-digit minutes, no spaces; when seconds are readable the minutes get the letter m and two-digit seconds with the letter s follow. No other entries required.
8h46
